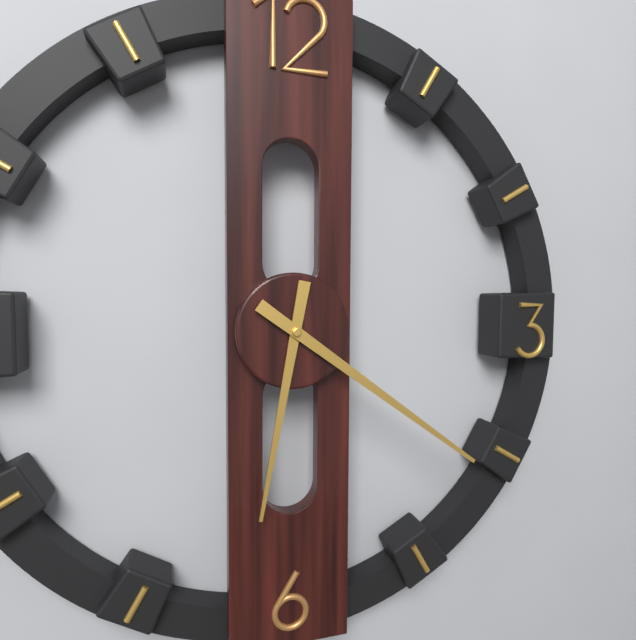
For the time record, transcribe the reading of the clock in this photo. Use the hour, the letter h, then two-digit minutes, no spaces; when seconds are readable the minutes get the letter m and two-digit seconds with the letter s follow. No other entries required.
6h21
